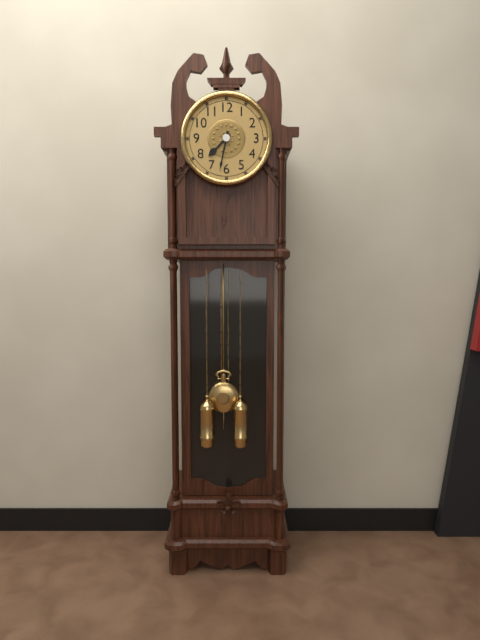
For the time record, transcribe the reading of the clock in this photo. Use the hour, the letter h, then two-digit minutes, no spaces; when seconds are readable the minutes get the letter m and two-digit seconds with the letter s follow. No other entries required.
7h32
